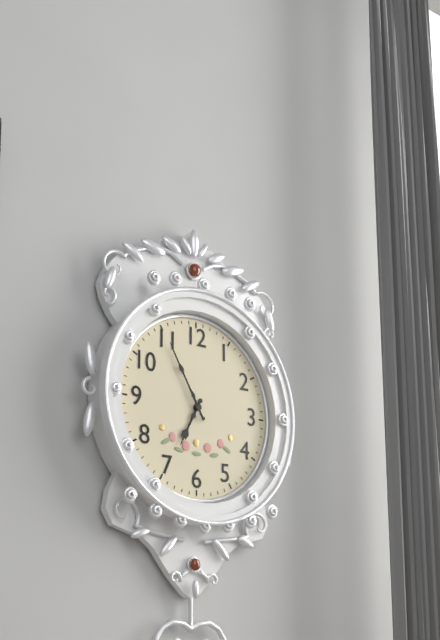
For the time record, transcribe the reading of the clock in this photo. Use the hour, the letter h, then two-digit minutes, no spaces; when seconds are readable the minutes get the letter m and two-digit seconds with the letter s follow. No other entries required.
6h55
